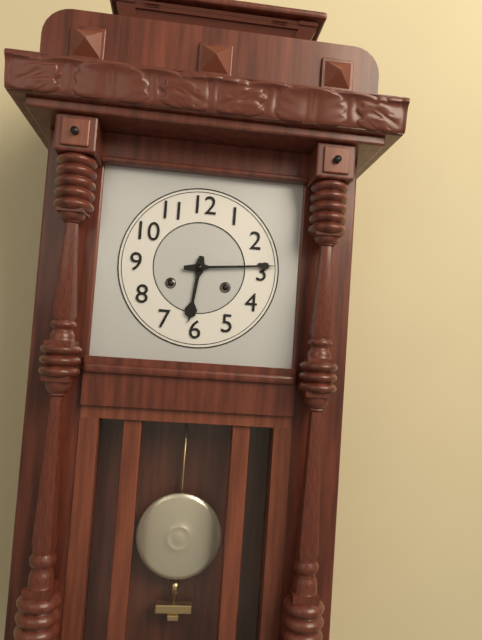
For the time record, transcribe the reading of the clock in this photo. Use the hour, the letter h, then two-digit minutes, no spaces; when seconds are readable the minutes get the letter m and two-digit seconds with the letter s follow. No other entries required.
6h14
